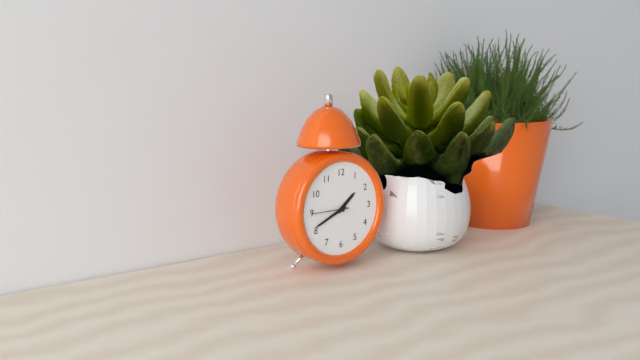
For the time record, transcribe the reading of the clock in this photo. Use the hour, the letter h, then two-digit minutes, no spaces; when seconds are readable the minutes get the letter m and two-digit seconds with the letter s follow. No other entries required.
1h41
